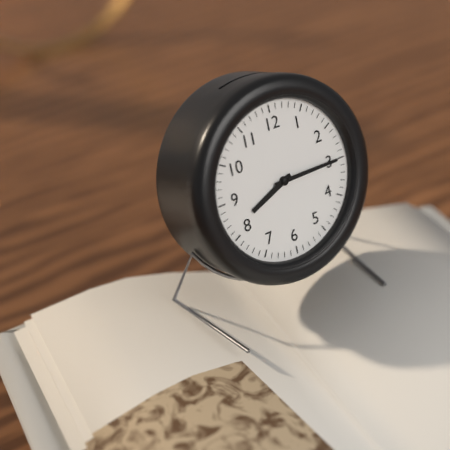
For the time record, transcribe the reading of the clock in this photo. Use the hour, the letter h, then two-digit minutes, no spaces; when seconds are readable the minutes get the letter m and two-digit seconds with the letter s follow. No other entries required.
8h15
